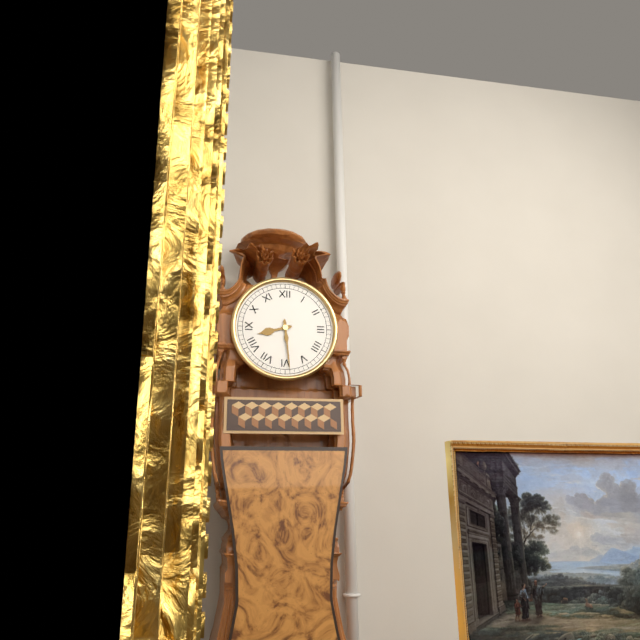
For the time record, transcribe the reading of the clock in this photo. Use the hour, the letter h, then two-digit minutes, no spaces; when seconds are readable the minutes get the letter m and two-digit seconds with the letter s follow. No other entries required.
8h29
